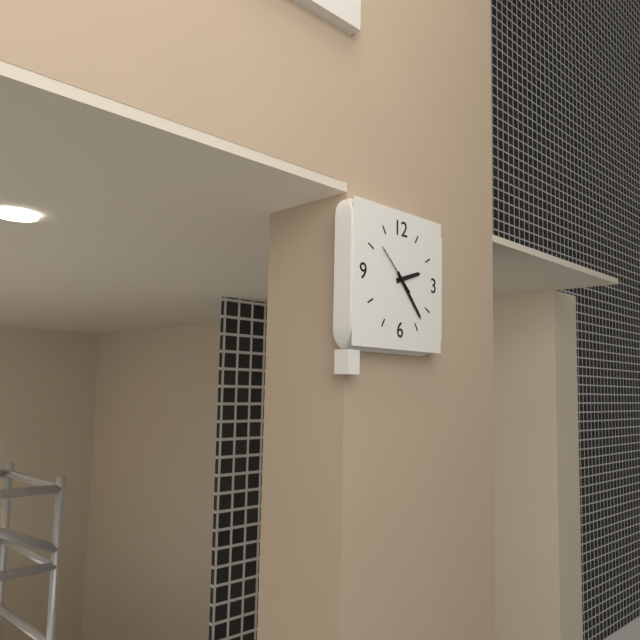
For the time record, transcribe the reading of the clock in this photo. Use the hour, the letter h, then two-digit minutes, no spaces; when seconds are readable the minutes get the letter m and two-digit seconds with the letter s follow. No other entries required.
2h23
